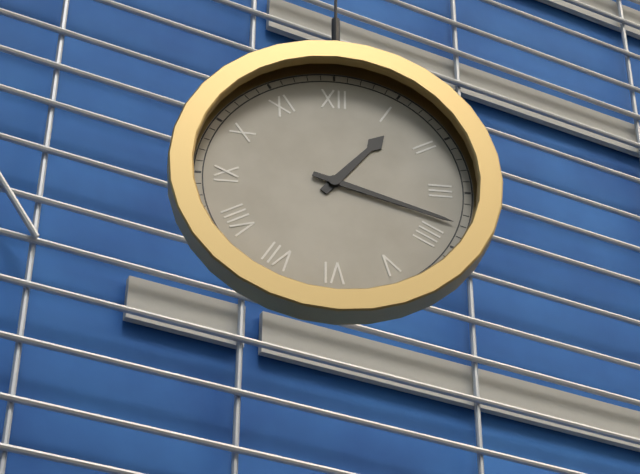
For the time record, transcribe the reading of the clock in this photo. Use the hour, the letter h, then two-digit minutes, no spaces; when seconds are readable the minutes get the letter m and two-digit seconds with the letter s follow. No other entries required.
1h18
